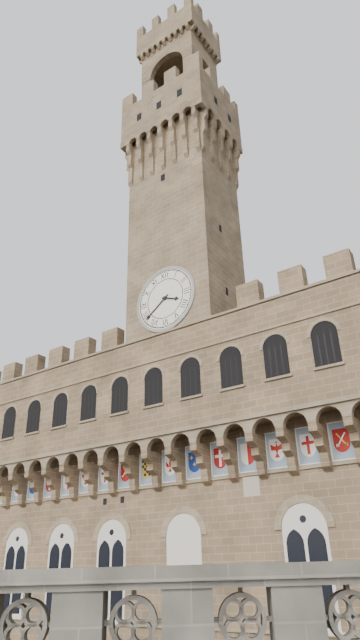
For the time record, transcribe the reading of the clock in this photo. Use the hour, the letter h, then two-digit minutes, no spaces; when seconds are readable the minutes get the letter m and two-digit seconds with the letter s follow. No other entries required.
3h39
